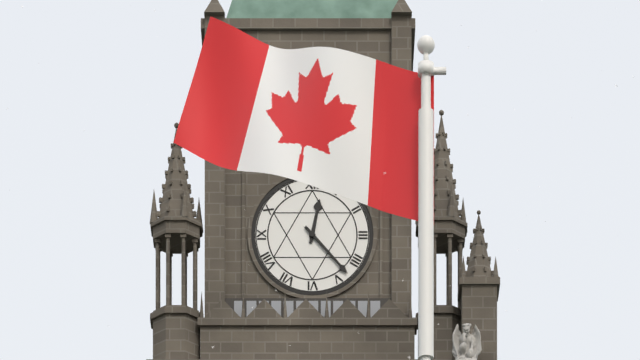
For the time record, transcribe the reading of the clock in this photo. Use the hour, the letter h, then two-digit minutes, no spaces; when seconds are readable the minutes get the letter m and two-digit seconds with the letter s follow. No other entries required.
12h23
